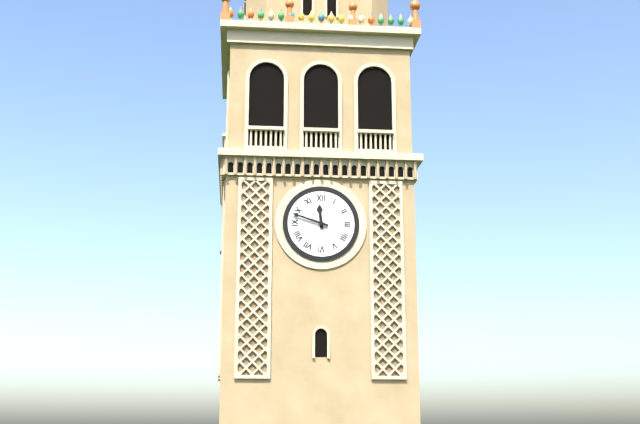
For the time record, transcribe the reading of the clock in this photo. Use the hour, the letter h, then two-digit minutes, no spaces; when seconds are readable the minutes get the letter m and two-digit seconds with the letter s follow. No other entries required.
11h48
